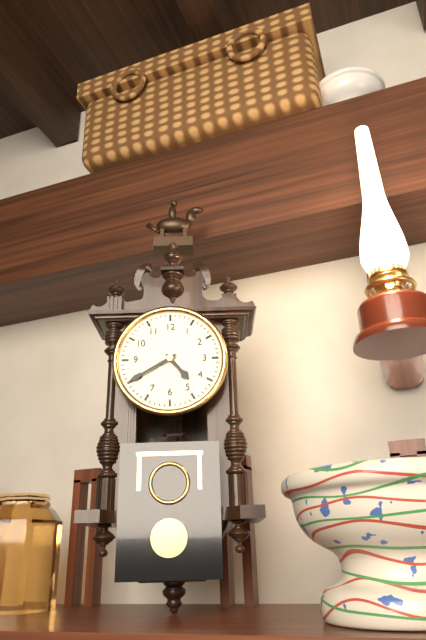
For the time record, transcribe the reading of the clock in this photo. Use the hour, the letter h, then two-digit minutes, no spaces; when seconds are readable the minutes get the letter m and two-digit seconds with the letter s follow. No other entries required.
4h40
